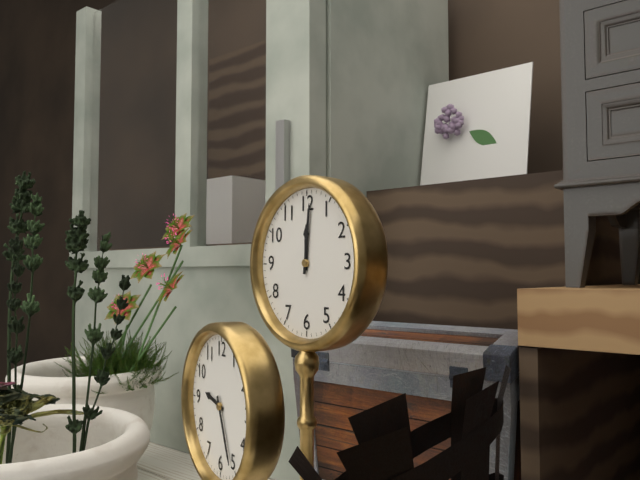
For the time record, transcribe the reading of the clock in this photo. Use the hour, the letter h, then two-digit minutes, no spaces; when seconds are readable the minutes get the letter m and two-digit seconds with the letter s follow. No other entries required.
12h01
